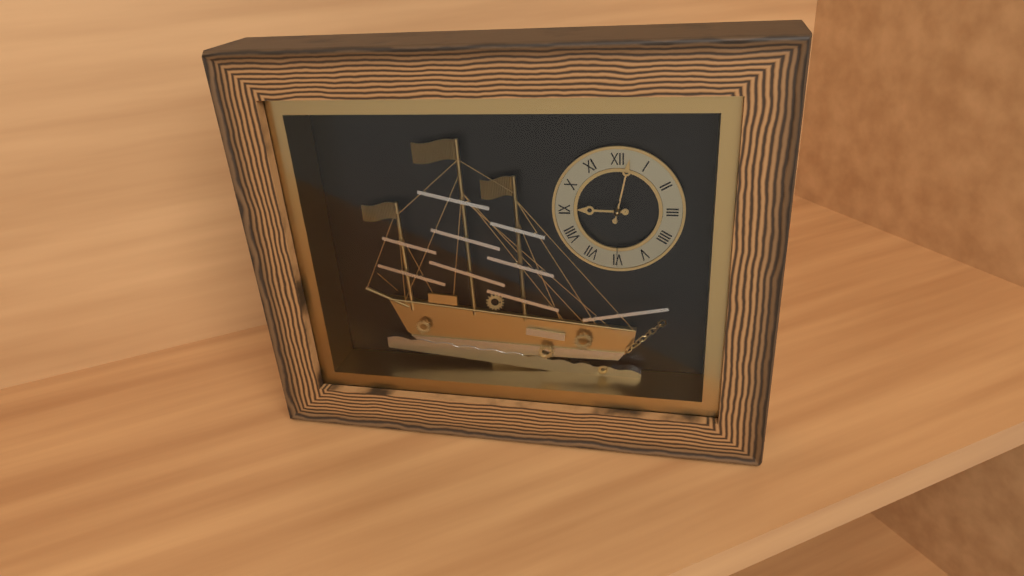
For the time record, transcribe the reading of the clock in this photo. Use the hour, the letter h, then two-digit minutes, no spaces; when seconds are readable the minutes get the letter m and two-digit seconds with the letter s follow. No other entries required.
9h02m30s
